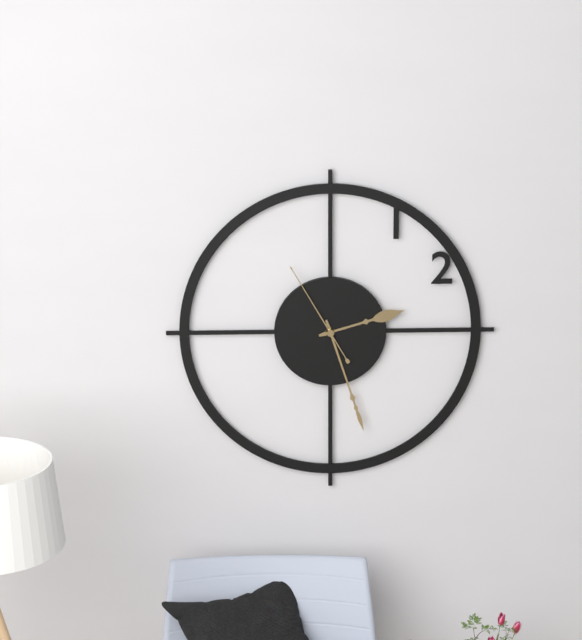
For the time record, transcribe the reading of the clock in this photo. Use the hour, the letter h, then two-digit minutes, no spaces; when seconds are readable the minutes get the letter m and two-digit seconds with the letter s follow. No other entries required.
2h27m55s
